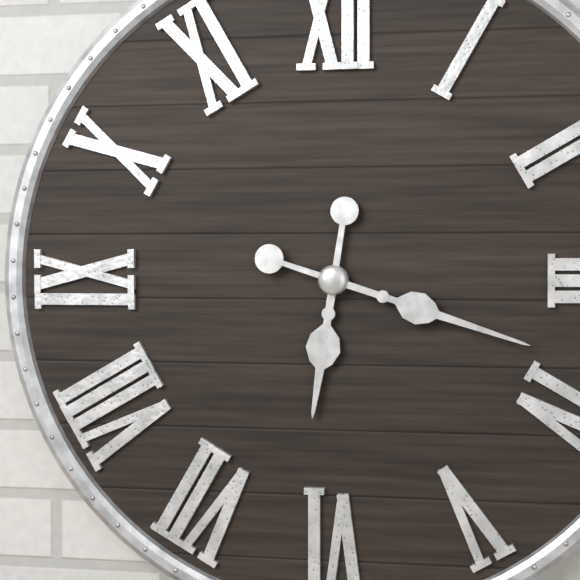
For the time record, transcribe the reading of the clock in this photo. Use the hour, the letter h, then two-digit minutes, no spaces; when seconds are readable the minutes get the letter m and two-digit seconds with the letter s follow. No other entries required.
6h18
